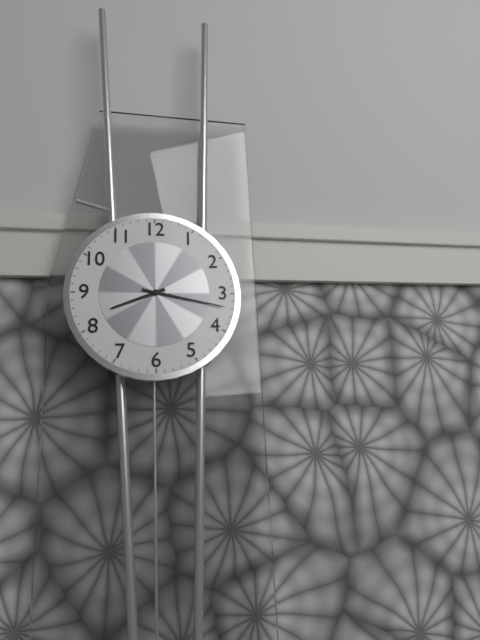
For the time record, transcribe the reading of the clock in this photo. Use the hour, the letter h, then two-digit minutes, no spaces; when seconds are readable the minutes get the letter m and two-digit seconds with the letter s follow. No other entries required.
8h17
